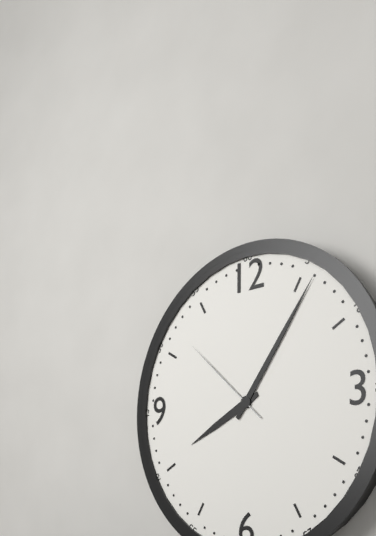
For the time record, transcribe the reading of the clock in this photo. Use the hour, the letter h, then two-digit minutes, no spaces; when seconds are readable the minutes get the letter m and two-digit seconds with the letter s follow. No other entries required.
8h06m52s
